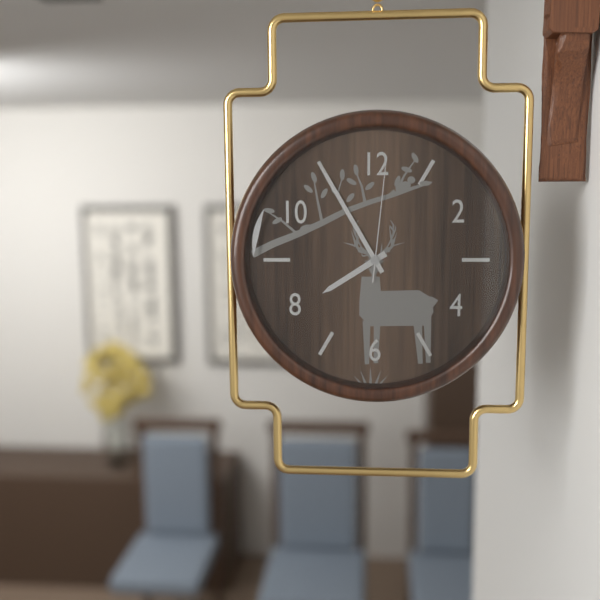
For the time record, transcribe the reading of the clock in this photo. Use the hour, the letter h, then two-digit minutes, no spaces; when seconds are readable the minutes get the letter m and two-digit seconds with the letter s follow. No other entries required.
7h55m01s
